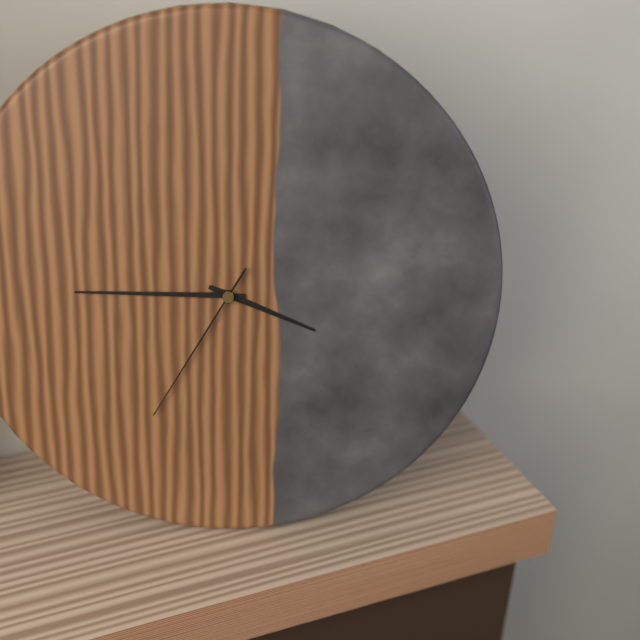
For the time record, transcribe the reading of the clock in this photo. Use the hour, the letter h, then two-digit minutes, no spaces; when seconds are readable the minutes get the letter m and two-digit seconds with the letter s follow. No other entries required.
3h45m35s
